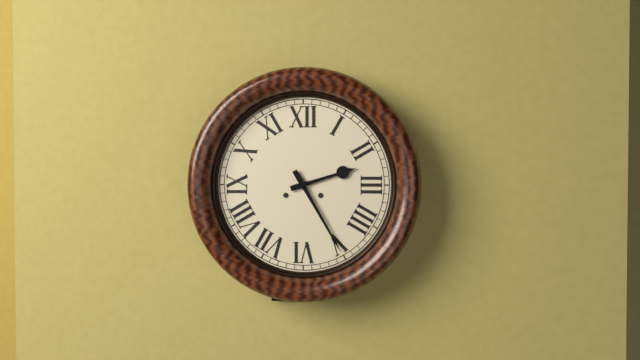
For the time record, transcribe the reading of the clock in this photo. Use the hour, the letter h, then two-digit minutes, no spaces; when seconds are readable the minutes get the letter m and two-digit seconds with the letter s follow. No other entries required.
2h25
